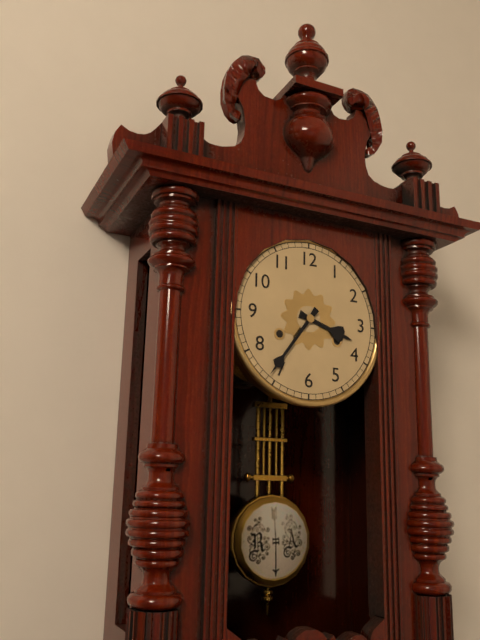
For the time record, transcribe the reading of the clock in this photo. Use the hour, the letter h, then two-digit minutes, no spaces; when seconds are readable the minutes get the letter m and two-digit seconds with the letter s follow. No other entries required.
3h36
